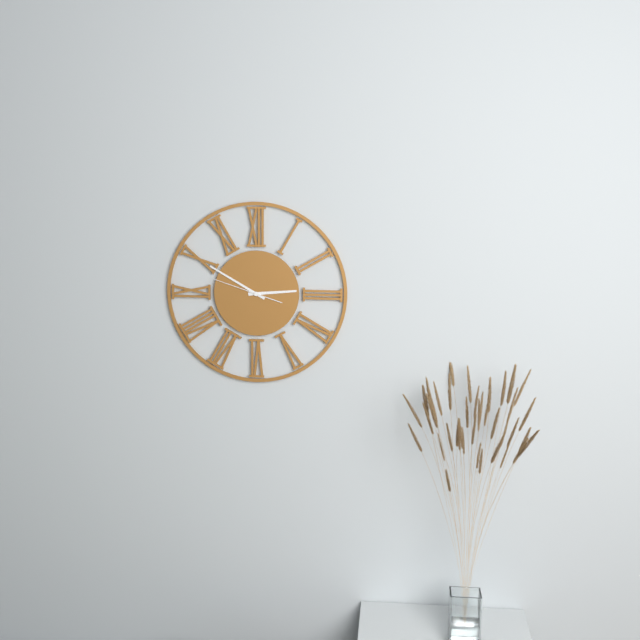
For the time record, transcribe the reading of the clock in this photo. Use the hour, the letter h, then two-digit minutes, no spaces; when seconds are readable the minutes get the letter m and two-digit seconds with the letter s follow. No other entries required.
2h50m48s
